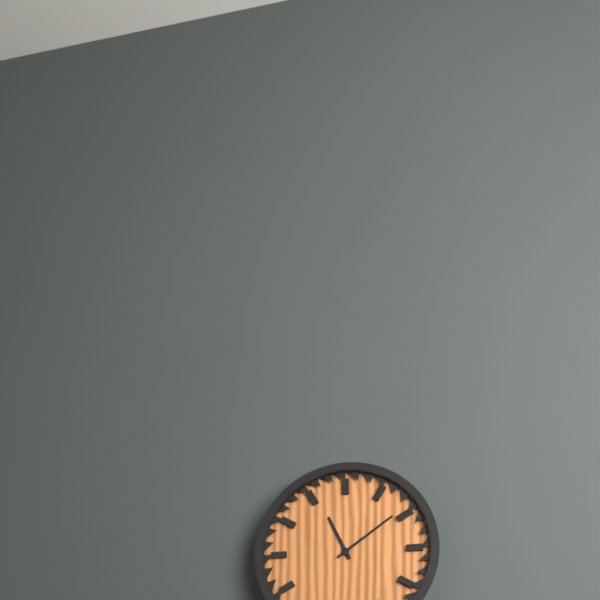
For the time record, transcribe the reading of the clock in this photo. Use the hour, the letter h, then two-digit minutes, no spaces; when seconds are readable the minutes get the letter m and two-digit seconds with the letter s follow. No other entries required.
11h09
